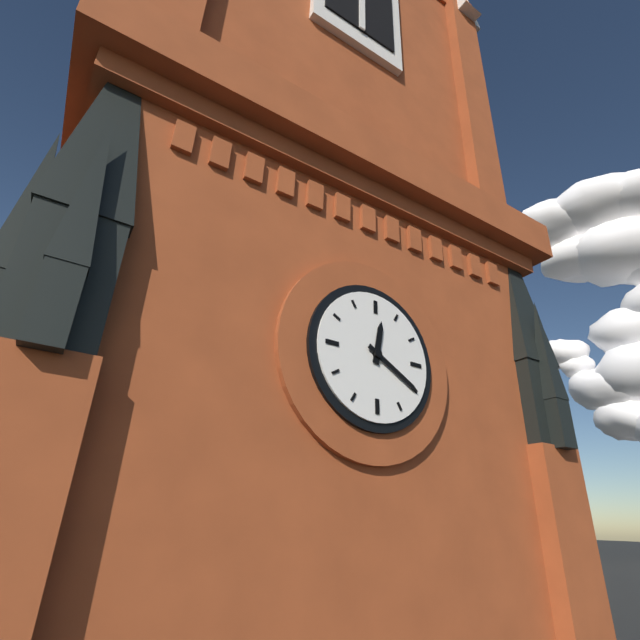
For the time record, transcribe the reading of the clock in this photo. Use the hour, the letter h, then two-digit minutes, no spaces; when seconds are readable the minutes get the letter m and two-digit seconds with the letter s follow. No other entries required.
12h20
